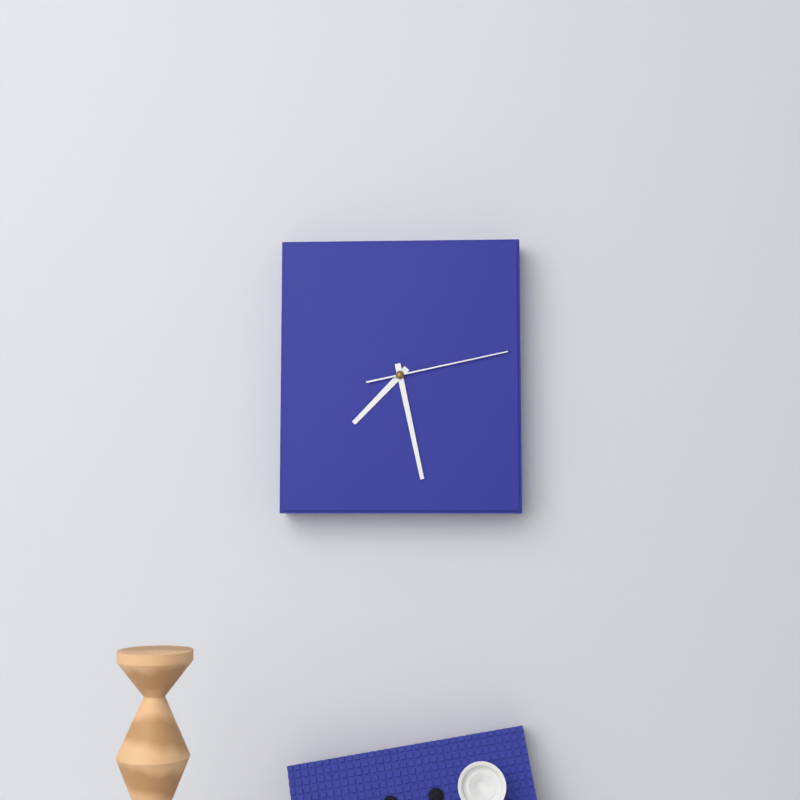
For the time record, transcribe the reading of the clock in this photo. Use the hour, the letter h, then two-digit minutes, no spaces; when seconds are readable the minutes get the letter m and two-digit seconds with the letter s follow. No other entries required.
7h28m13s
